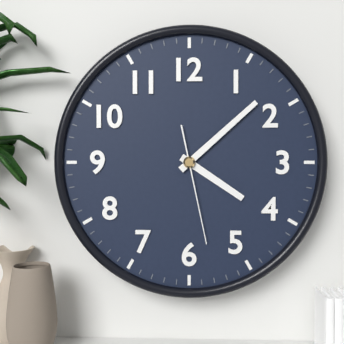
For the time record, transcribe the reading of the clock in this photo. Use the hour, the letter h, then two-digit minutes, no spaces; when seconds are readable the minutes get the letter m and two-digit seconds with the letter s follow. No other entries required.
4h08m28s
